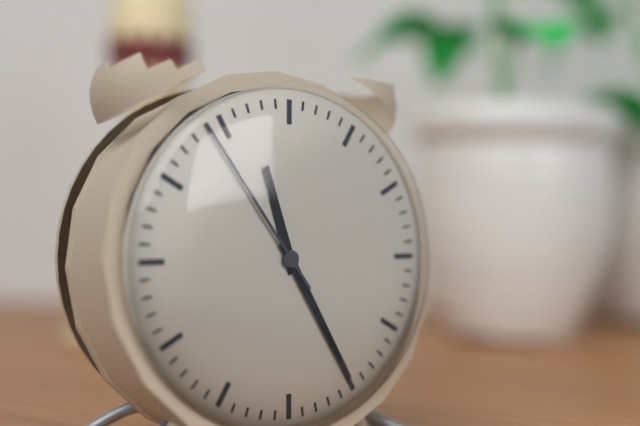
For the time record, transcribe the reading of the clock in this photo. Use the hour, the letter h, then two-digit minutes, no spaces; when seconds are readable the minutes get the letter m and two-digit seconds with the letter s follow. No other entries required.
11h25m54s
